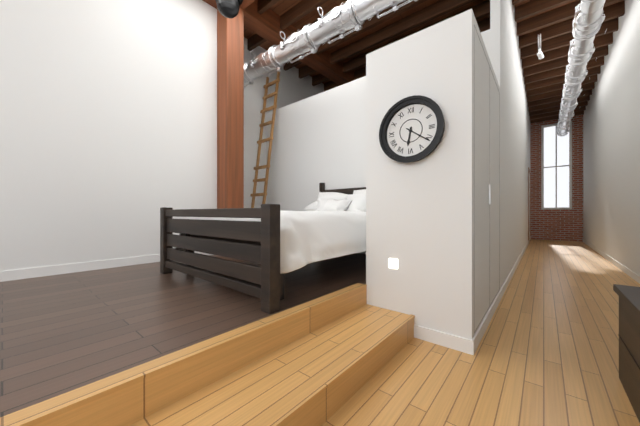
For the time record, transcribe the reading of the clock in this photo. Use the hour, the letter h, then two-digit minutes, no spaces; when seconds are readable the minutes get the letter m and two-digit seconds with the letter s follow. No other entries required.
6h21
